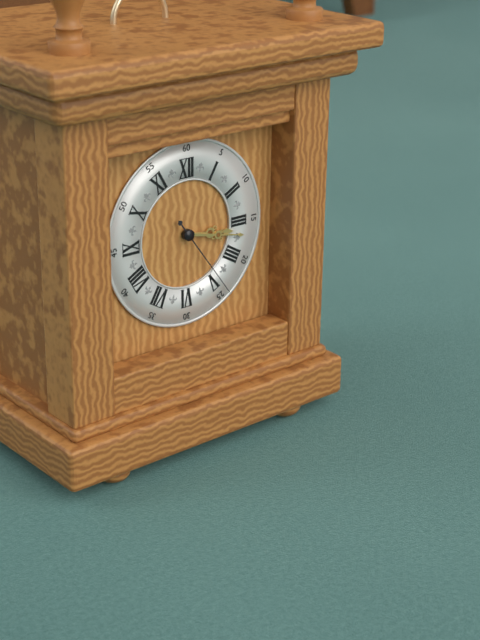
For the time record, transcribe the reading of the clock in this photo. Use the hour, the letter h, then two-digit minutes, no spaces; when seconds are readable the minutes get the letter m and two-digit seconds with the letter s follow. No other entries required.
3h17m24s
